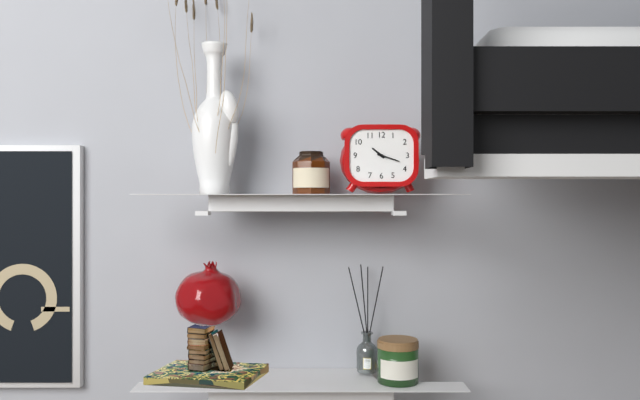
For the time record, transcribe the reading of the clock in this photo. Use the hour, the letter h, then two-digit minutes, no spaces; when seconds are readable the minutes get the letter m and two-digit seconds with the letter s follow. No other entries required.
10h18
